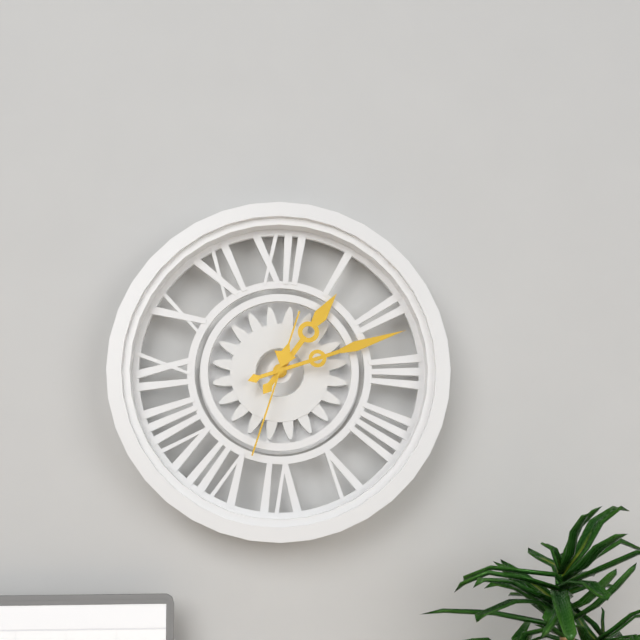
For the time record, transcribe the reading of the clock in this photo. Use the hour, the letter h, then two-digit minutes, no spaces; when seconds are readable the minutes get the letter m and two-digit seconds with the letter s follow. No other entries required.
1h12m33s
